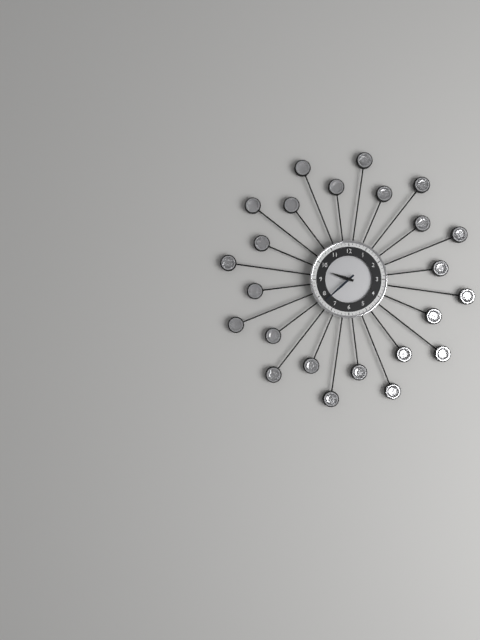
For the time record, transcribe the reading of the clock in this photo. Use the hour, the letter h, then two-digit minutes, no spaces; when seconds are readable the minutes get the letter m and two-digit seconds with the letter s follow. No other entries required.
9h38
